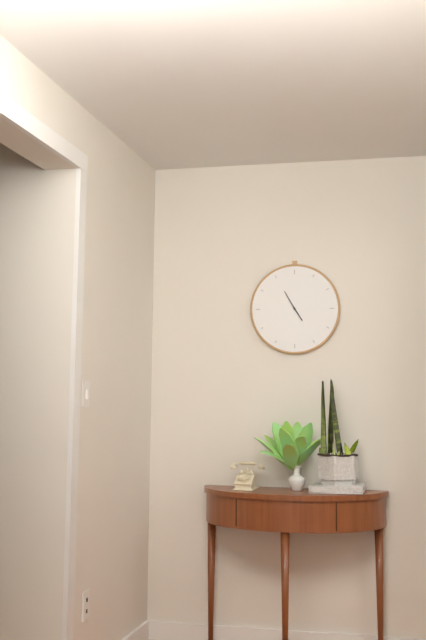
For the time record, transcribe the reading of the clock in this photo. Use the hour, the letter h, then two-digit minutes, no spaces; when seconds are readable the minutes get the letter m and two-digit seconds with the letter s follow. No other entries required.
4h55
